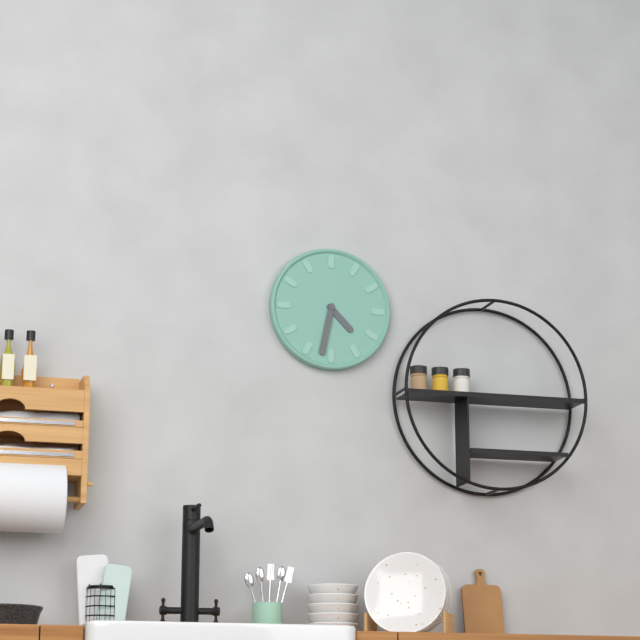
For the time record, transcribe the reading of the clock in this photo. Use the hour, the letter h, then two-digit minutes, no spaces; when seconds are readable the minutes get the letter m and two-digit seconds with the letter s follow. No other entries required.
4h32
